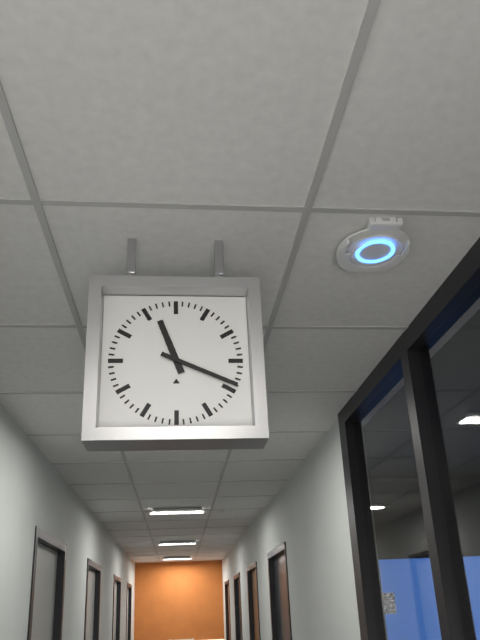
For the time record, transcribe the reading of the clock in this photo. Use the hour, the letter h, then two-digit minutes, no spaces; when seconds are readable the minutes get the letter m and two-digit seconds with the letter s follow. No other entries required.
11h19
